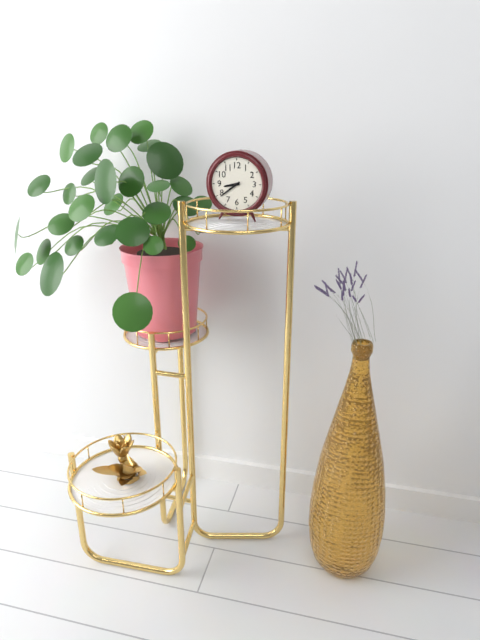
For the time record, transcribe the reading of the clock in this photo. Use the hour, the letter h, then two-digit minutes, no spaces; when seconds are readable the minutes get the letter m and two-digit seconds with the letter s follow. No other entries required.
8h39
